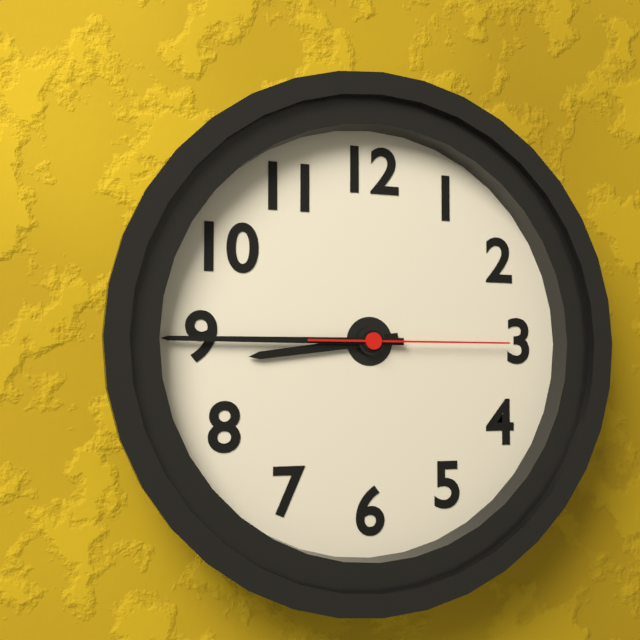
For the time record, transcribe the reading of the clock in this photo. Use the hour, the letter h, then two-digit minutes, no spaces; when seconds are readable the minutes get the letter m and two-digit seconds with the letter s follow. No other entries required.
8h45m15s
